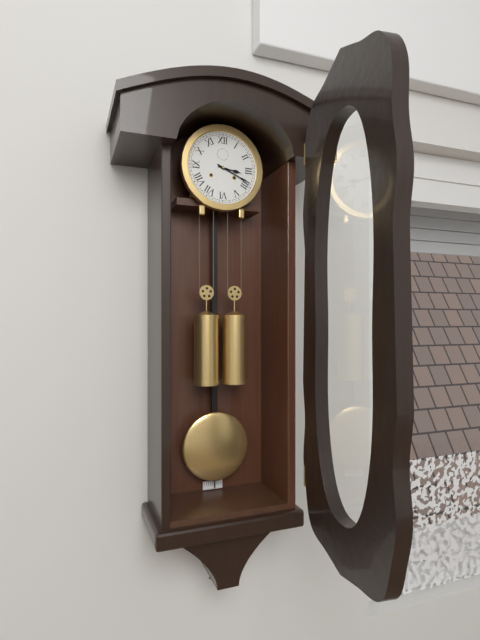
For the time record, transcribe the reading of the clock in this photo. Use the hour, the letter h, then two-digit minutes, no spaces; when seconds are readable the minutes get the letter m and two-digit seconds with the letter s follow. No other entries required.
3h19
